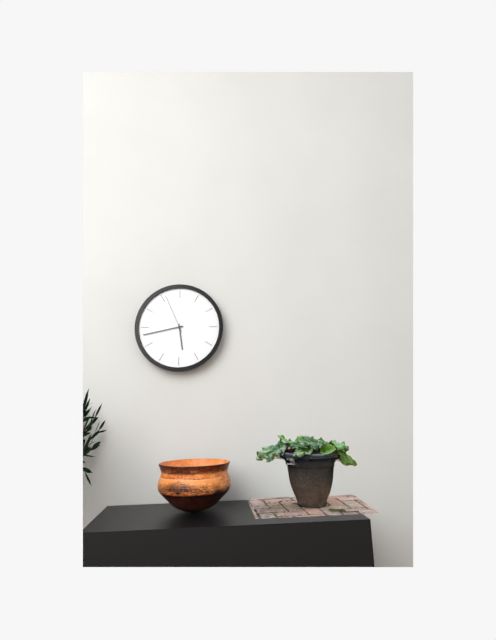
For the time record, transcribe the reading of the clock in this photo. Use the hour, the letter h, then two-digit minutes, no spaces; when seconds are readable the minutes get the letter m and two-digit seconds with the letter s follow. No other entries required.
5h43
